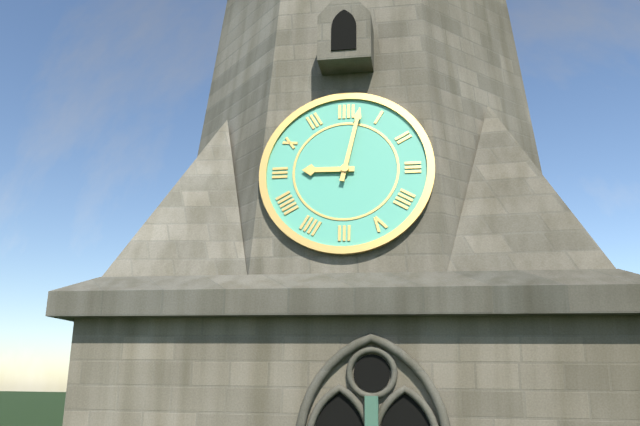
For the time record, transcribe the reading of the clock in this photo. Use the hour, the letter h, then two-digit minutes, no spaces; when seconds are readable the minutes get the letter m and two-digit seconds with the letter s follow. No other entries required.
9h02
